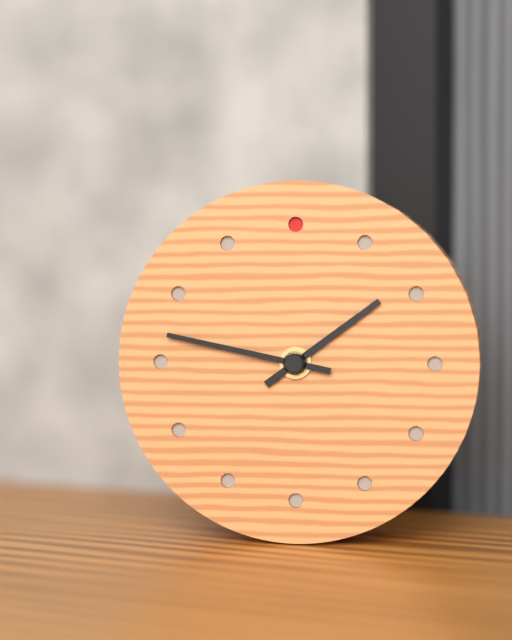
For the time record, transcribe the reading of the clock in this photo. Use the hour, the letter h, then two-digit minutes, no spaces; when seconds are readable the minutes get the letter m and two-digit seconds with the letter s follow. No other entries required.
1h47
